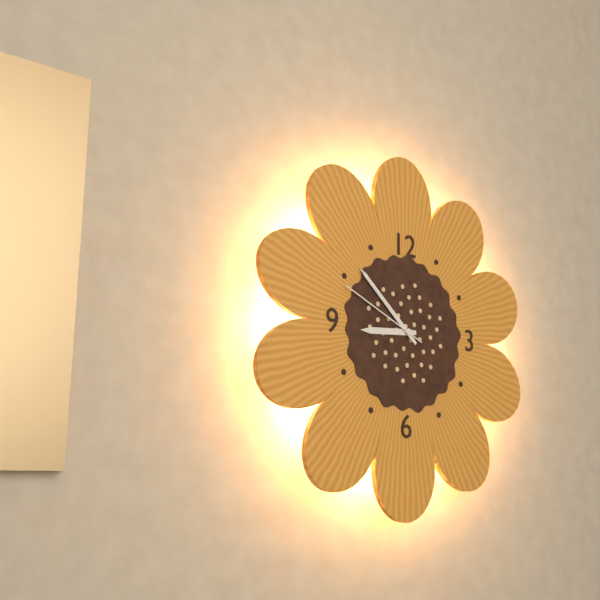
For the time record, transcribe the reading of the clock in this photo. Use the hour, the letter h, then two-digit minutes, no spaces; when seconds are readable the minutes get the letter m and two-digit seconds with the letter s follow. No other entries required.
8h52m49s
